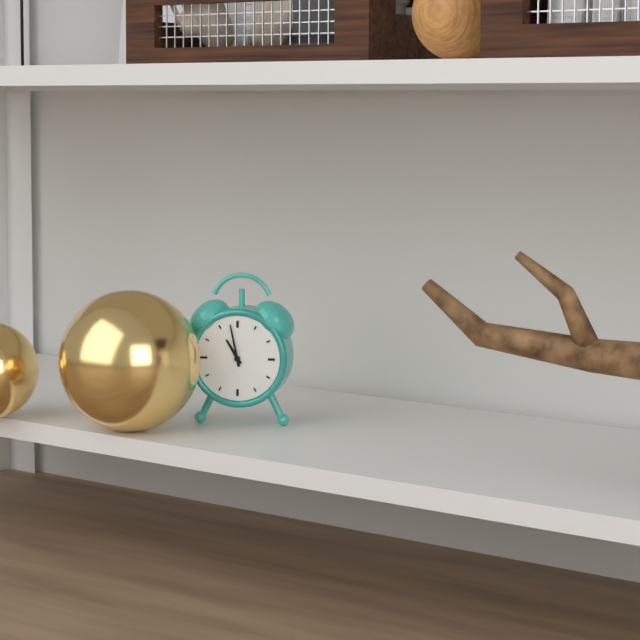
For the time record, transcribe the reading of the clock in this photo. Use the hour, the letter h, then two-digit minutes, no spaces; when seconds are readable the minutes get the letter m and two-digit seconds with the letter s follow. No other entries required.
10h58
